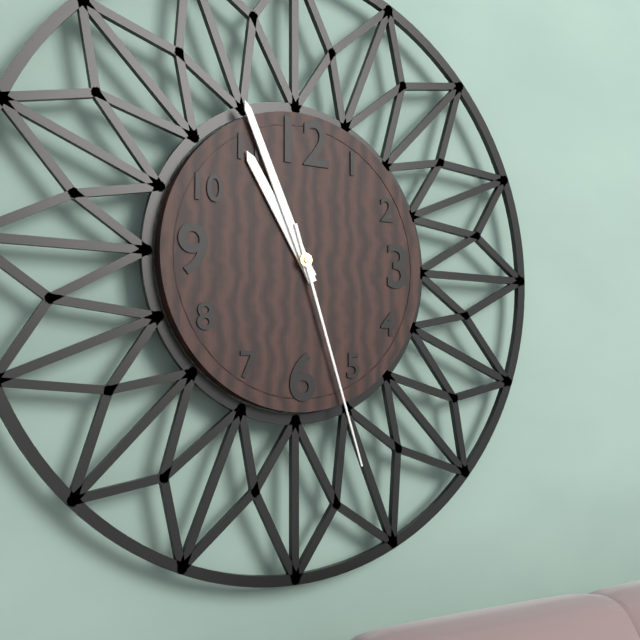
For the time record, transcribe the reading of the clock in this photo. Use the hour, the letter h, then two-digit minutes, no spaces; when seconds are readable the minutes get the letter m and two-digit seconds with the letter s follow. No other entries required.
10h56m27s
